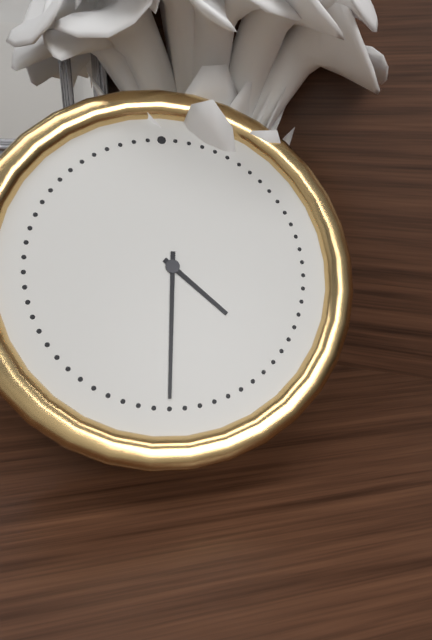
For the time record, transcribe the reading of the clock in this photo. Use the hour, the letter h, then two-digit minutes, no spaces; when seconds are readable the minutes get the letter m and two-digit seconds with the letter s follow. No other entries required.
4h31
